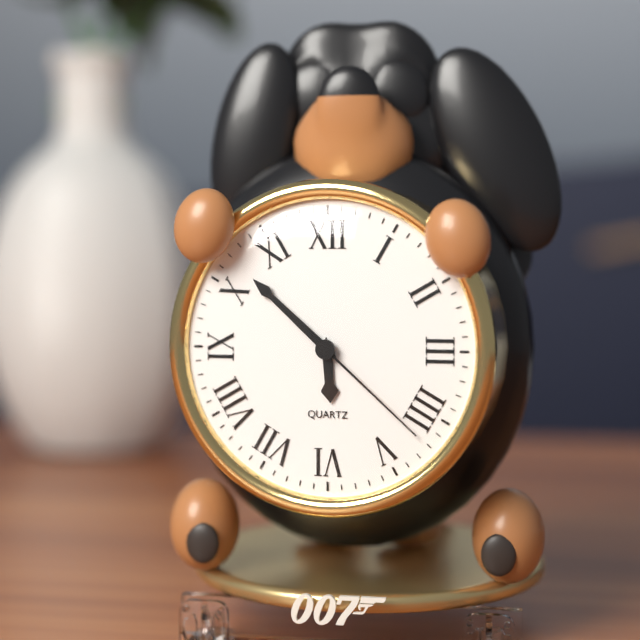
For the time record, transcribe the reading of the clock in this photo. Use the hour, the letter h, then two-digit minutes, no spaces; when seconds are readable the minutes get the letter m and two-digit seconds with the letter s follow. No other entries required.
5h52m22s
